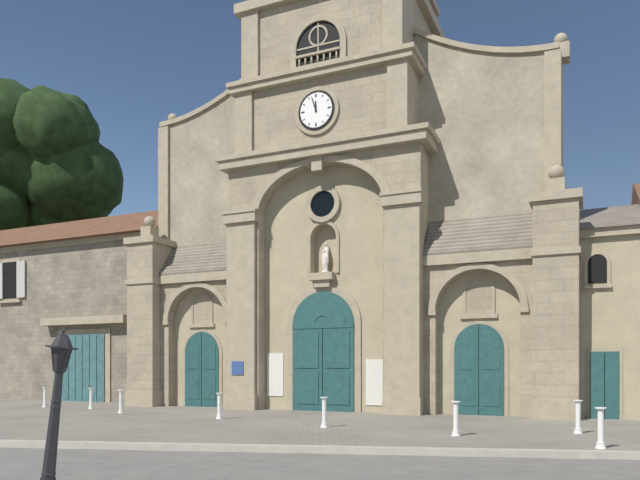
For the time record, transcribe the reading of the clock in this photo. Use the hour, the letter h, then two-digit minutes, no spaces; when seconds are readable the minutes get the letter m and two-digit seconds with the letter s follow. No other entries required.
11h57
